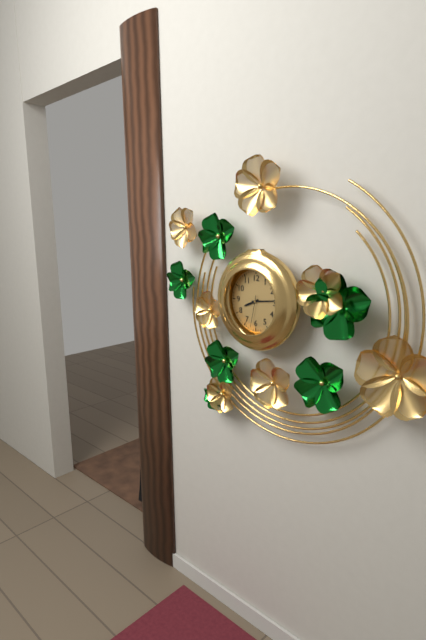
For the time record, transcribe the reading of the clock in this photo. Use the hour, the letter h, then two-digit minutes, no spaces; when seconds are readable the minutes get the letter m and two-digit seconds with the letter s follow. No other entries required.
8h14
